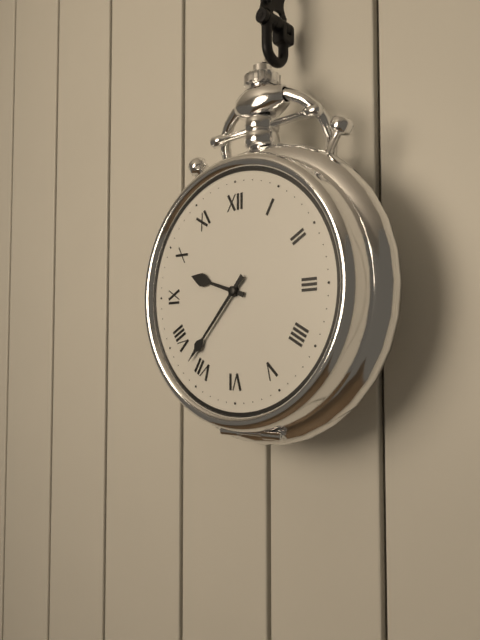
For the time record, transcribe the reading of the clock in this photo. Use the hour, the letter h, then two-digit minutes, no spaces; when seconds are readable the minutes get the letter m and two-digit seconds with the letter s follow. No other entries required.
9h37
